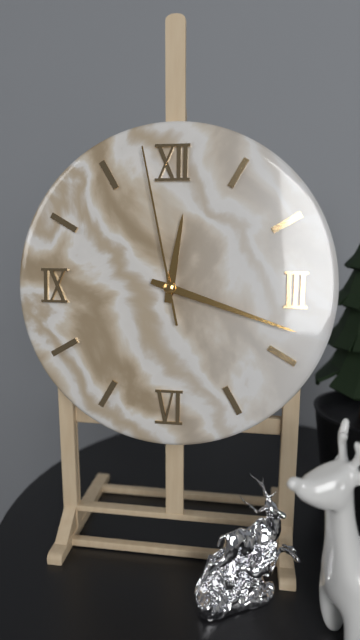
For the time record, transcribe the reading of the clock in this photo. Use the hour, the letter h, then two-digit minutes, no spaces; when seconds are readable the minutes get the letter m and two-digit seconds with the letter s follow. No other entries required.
12h18m58s
